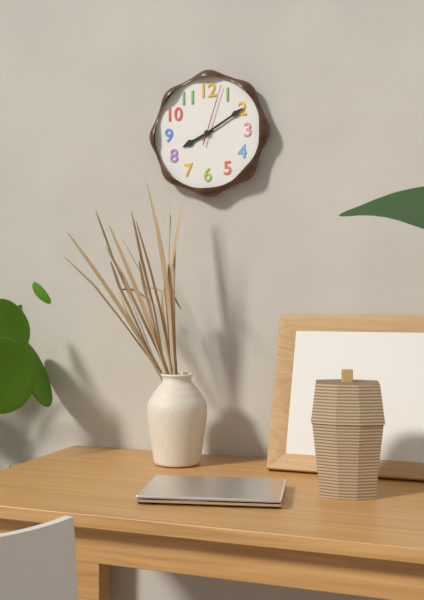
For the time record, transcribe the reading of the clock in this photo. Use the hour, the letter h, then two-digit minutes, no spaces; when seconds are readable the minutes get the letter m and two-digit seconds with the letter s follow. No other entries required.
8h10m03s
